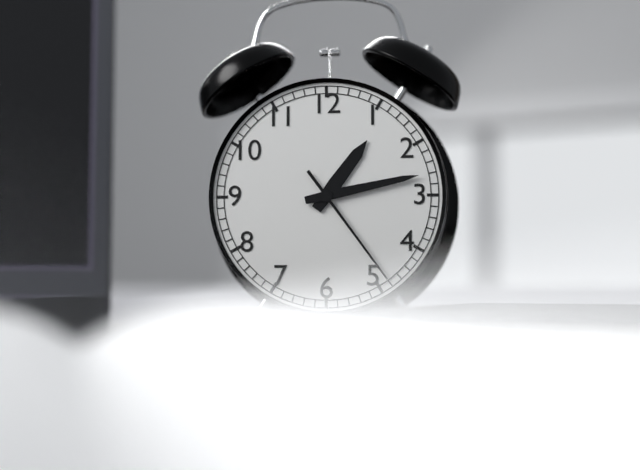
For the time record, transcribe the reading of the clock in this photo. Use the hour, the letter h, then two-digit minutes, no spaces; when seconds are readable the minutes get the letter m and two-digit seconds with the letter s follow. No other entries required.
1h13m24s
